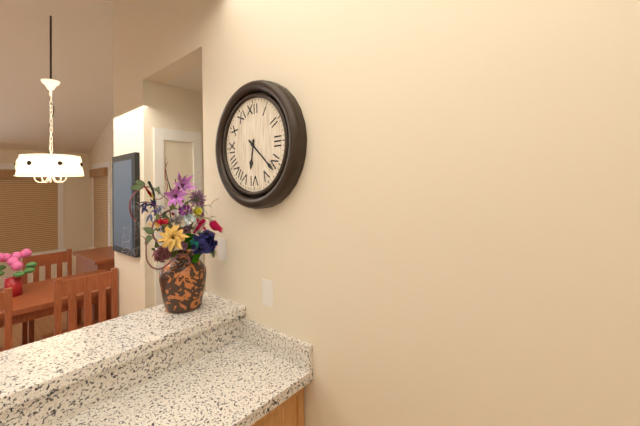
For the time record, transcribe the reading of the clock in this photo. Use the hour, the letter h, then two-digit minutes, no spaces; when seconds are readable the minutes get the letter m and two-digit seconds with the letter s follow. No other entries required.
6h22
